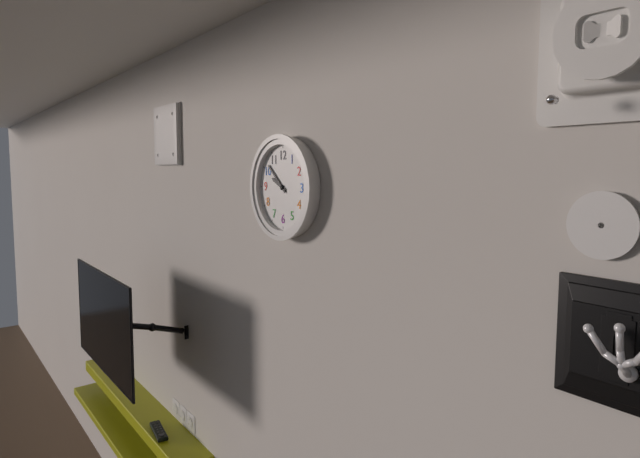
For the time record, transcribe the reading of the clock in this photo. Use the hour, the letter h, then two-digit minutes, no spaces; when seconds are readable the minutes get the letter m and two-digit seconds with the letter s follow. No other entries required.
9h52
